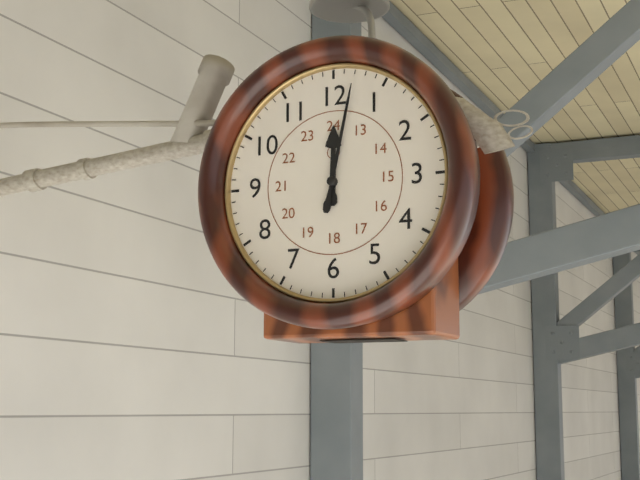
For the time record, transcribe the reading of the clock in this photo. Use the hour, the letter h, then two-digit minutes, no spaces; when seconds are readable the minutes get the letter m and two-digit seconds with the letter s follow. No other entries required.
12h02
